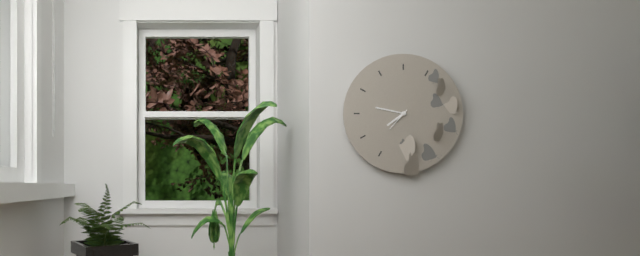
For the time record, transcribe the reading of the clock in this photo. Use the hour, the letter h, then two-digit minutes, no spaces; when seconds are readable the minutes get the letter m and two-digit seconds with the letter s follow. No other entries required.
7h47
